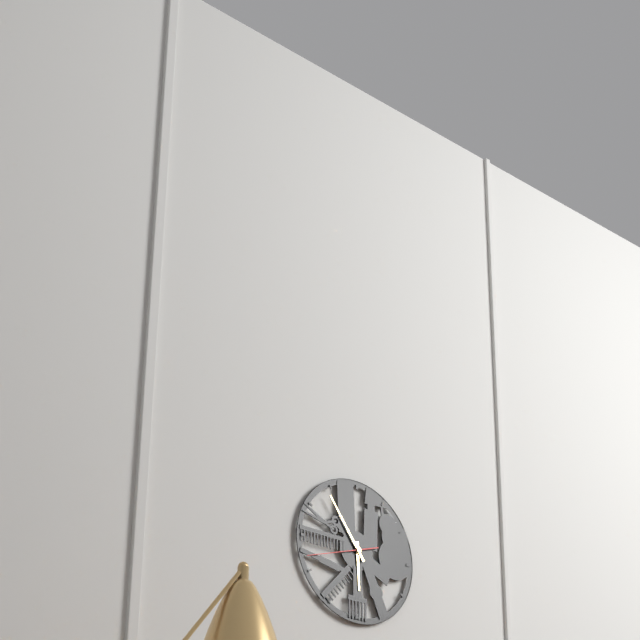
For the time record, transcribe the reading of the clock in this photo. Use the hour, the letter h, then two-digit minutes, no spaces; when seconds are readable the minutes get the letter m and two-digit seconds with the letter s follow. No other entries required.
5h54m42s
